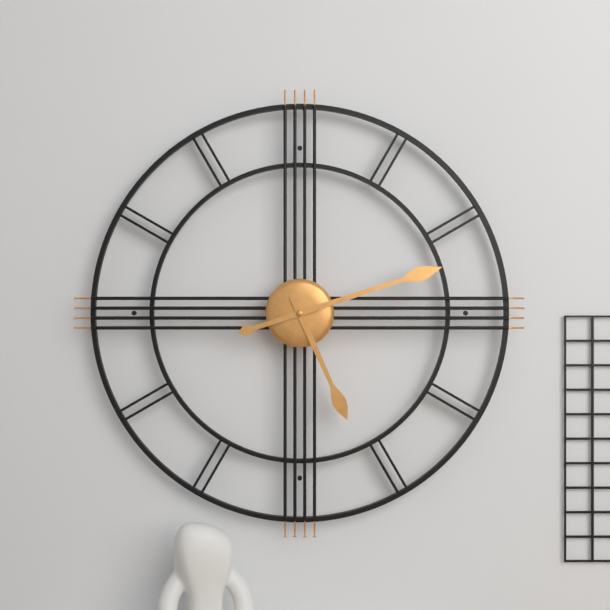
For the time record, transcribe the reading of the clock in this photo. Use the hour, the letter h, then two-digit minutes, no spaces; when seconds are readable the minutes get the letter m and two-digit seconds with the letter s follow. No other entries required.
5h12
